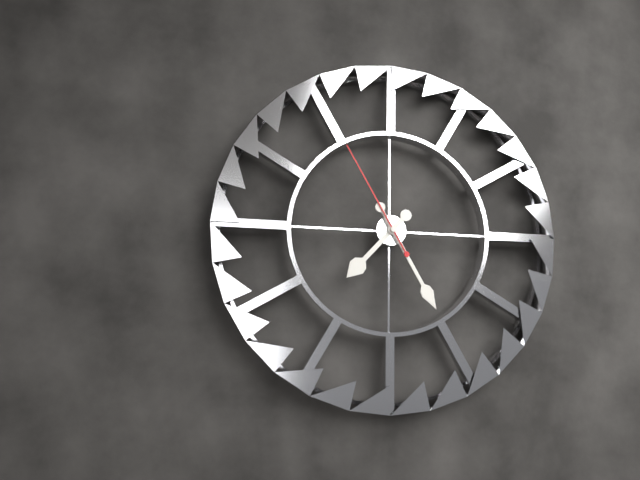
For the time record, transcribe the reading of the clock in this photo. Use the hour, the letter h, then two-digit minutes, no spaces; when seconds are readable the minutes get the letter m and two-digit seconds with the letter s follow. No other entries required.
7h25m55s
